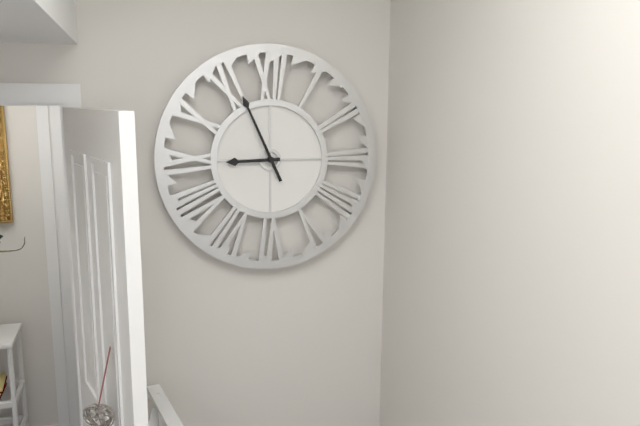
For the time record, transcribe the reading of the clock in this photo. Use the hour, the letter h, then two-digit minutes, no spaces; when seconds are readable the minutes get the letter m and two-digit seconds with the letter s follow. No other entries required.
8h56
